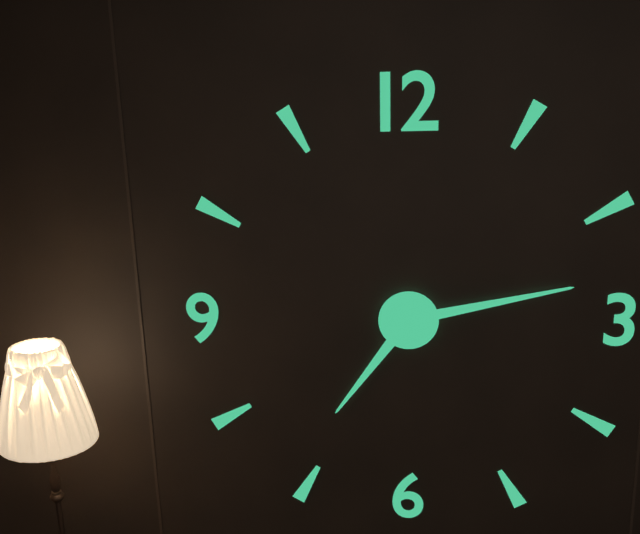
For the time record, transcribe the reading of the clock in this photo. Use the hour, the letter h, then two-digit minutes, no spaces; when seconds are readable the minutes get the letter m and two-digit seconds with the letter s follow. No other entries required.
7h13
